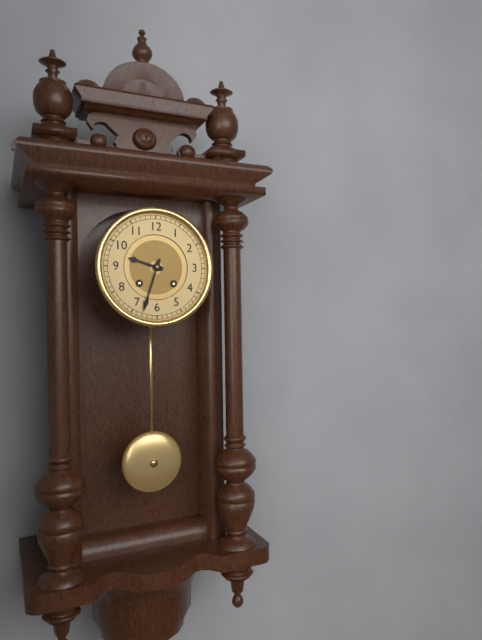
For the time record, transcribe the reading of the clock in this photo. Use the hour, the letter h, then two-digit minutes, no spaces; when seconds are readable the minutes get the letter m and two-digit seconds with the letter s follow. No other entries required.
9h33
